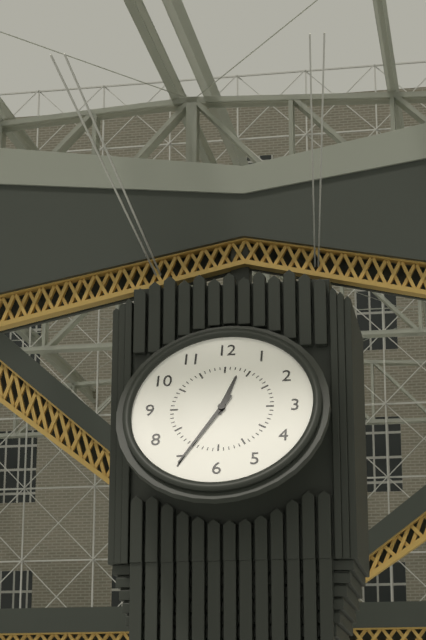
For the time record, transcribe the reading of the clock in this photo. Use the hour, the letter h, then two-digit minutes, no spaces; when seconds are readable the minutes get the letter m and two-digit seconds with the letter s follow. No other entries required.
12h35
